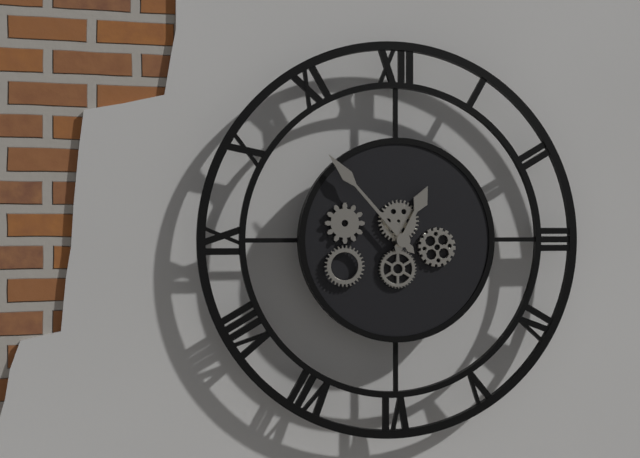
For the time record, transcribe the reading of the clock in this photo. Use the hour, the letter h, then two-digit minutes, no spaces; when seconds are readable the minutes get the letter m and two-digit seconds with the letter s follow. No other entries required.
12h53
